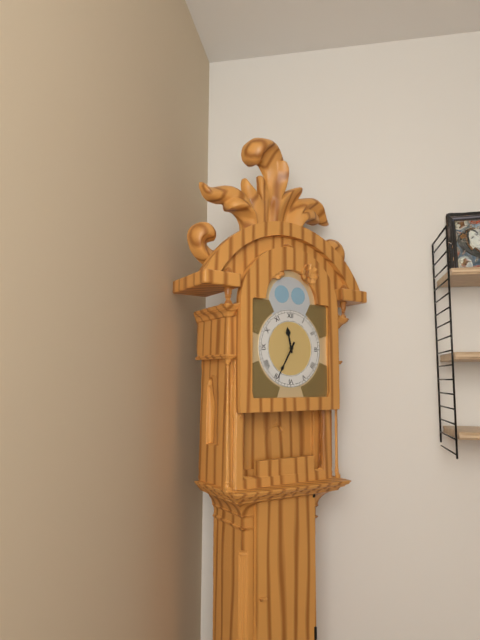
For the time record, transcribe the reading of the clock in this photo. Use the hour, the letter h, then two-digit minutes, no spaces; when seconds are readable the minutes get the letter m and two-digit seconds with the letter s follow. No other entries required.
11h35
